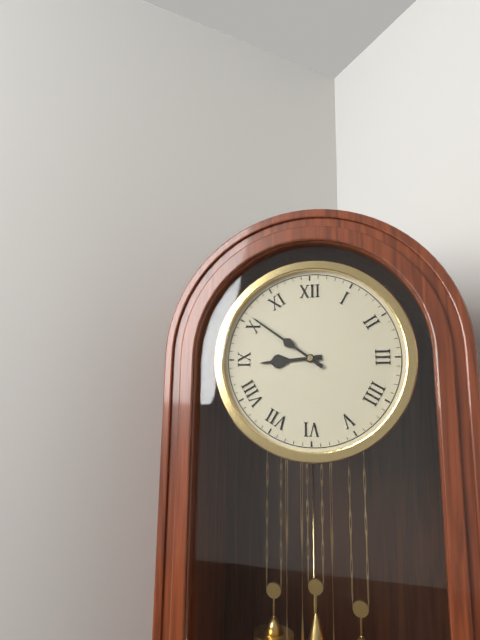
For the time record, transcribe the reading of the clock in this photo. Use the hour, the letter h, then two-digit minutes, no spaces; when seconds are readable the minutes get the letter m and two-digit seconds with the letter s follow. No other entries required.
8h51
